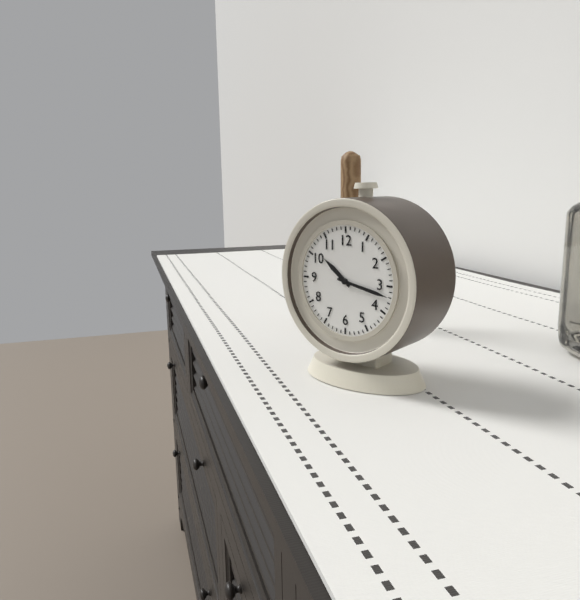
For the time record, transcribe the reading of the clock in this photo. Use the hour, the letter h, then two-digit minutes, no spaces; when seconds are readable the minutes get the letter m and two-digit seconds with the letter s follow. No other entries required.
10h17
